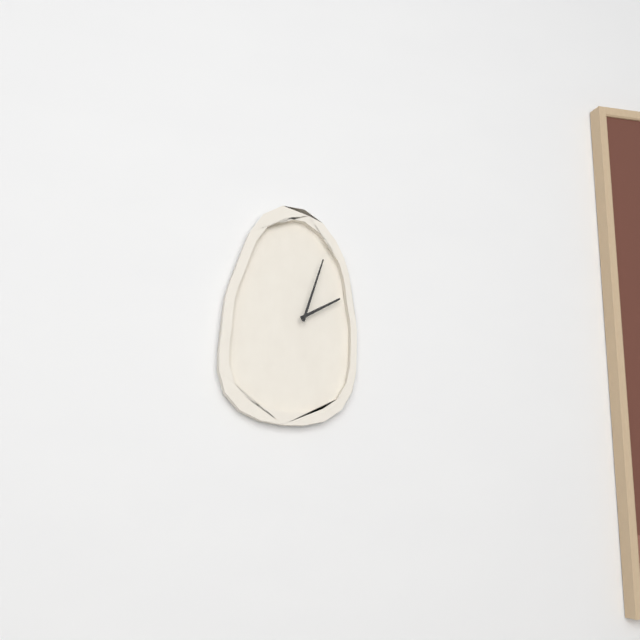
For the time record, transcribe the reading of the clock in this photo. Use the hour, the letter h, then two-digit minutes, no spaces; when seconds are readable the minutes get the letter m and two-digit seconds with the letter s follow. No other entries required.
2h03
